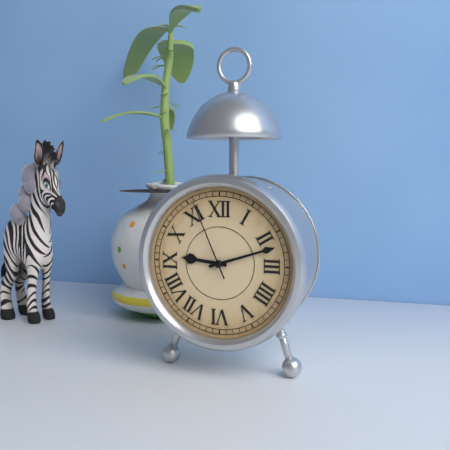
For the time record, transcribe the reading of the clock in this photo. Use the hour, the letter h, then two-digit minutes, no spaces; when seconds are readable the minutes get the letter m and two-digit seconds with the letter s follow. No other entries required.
9h12m56s
